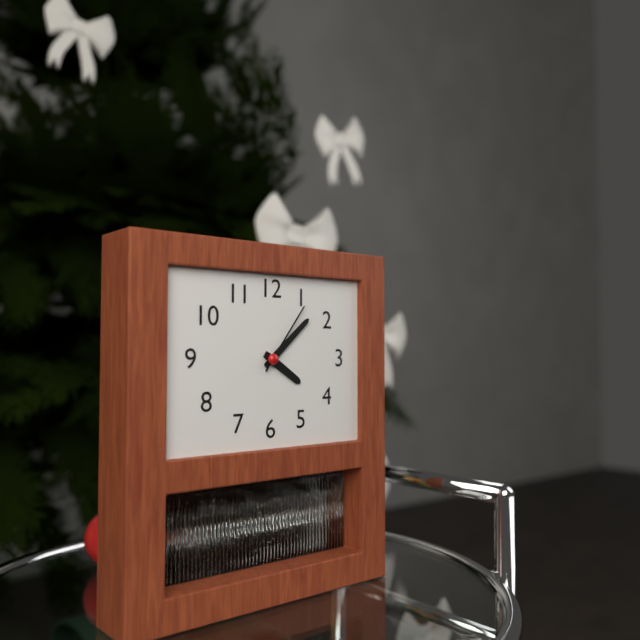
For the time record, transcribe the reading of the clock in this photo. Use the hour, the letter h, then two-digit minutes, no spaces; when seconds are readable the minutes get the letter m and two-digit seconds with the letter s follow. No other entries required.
4h08m06s
